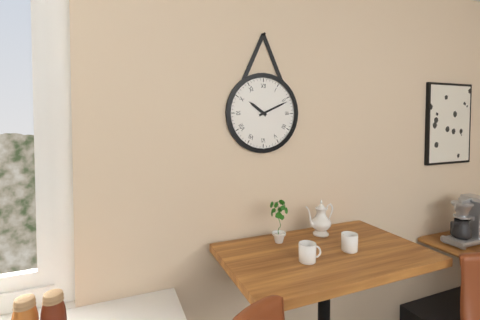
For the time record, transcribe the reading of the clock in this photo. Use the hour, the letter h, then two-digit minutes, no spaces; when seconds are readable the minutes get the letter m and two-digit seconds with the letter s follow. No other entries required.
10h11
